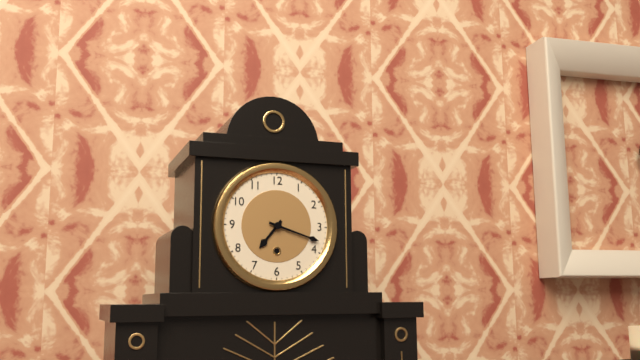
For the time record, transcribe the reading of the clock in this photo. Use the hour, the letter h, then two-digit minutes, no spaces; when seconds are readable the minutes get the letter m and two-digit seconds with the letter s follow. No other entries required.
7h18
